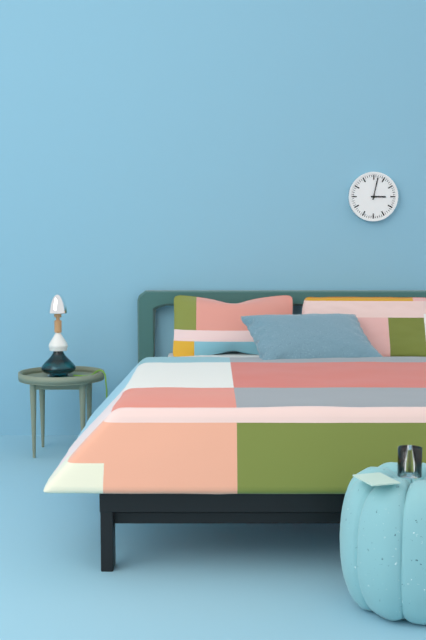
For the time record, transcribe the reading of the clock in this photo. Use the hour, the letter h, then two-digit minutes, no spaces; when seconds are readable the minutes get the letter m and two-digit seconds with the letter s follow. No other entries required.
3h02
